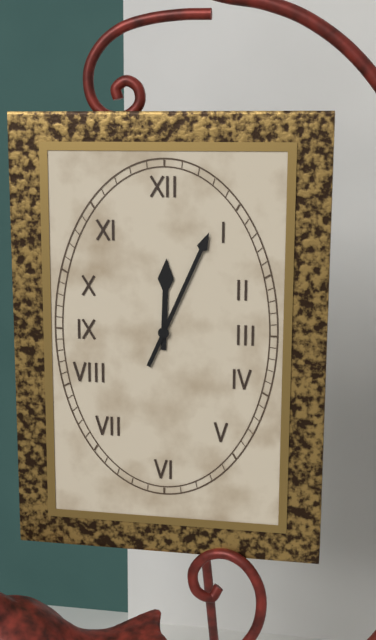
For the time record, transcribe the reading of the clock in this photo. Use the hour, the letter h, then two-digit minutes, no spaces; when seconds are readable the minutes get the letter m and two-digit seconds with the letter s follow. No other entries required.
12h04
